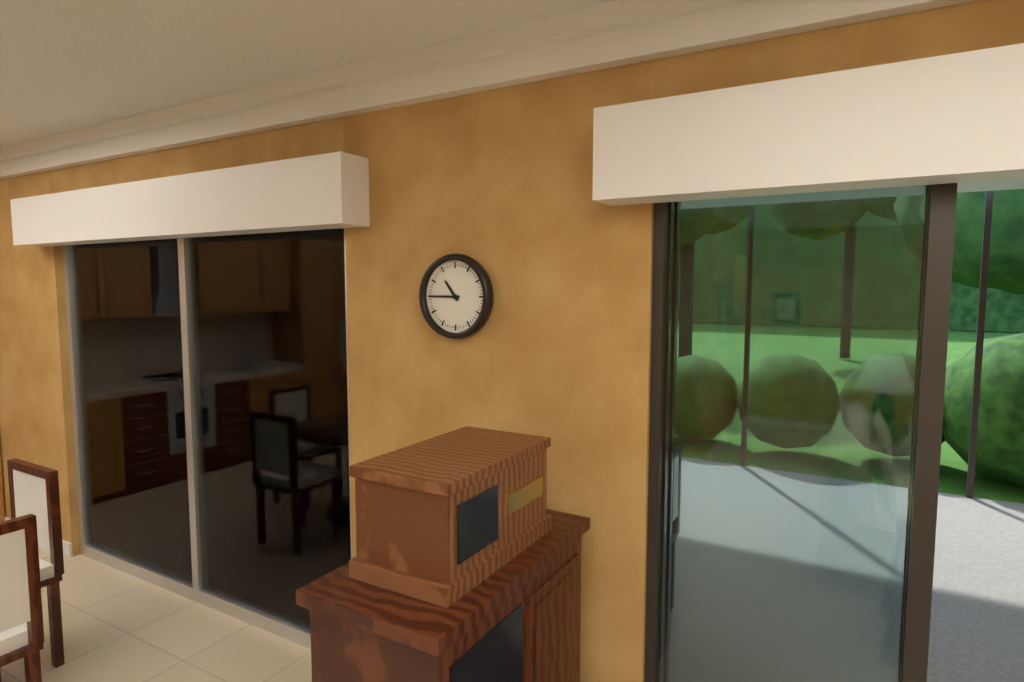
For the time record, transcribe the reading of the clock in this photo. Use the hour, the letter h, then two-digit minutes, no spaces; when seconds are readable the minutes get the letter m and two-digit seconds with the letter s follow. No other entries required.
10h45
